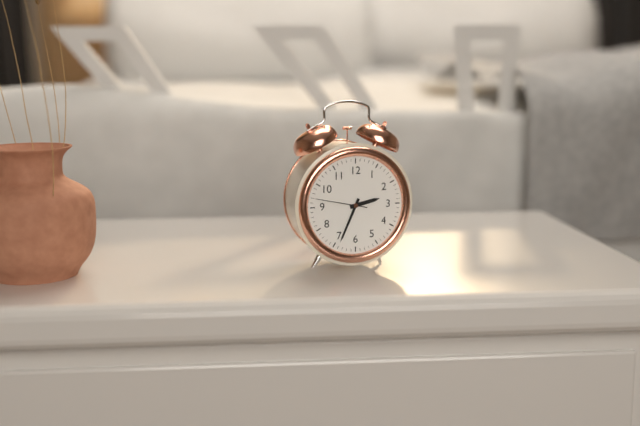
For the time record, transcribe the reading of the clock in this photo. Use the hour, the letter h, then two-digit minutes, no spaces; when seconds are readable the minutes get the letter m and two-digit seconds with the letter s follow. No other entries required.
2h34m47s
